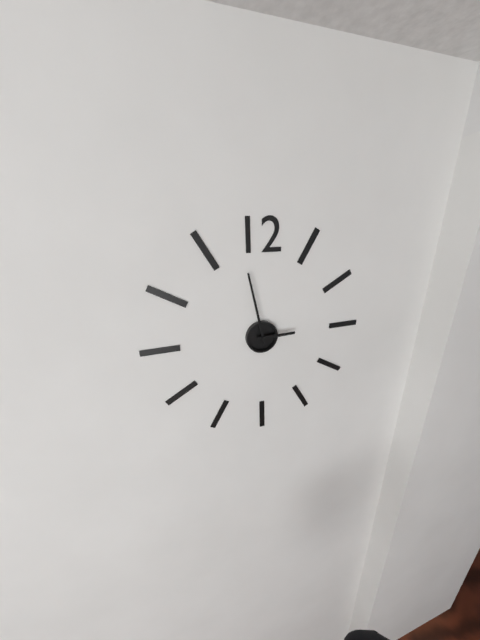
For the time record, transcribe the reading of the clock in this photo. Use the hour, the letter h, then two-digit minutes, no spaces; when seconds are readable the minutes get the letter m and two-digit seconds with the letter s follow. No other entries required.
2h58
